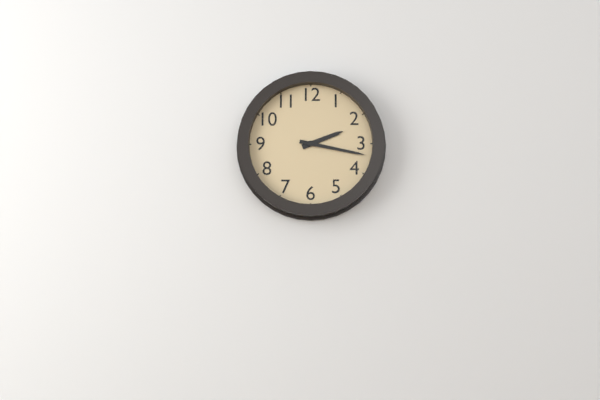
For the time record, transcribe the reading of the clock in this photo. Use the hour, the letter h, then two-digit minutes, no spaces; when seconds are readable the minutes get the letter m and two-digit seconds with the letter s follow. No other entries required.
2h17
